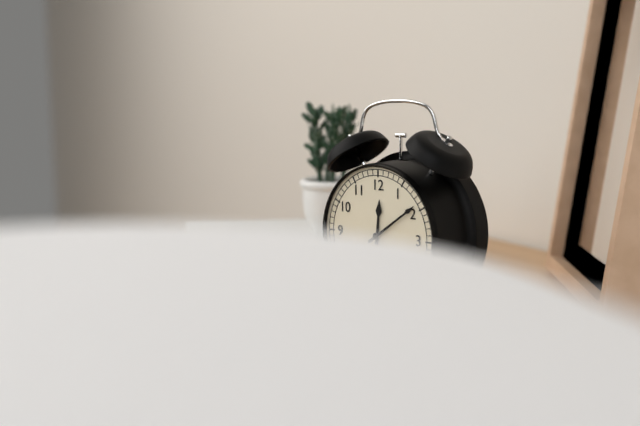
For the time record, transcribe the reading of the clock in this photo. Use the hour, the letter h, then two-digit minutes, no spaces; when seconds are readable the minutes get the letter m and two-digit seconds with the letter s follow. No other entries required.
12h09
